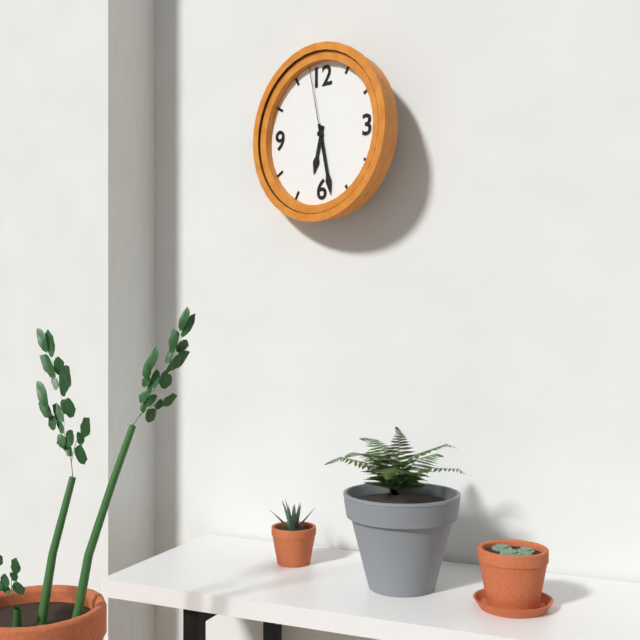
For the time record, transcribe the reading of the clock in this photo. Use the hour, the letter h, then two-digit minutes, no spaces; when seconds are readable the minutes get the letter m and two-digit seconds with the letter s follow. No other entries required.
6h28m58s
